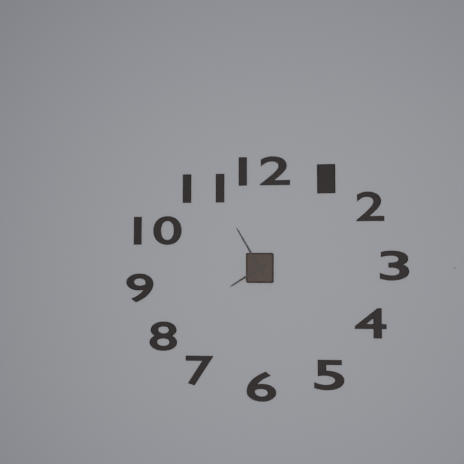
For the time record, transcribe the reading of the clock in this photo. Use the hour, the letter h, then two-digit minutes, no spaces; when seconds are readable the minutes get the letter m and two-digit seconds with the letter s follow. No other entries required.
7h55
